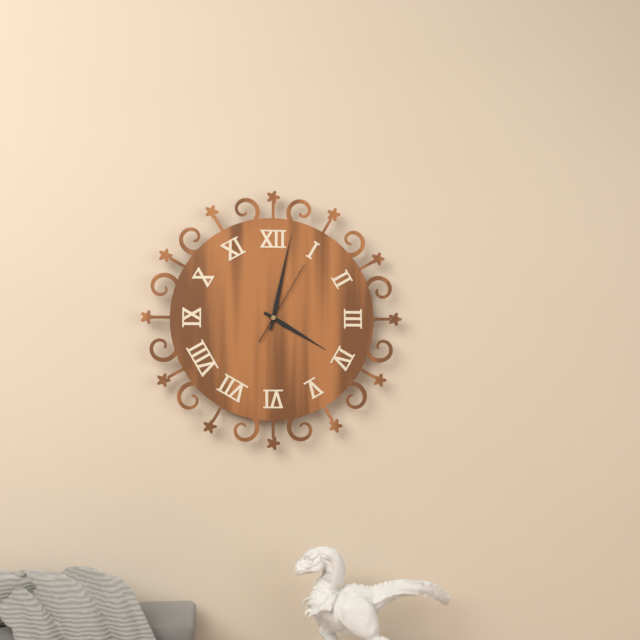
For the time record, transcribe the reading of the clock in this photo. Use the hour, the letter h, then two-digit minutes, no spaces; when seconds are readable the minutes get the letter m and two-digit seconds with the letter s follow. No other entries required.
4h02m05s
